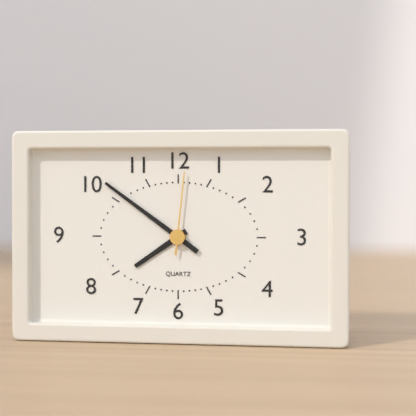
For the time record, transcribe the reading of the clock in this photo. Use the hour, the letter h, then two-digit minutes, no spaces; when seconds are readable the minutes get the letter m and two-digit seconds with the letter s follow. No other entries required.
7h51m01s
